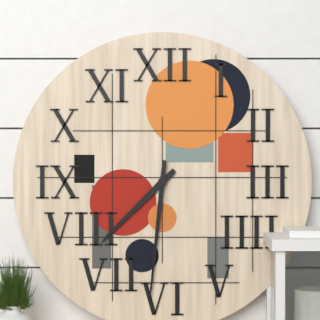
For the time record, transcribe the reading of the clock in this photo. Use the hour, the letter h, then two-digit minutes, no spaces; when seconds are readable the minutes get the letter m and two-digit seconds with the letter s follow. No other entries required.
7h31
